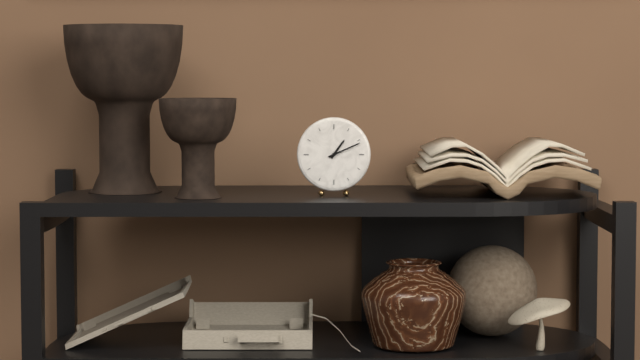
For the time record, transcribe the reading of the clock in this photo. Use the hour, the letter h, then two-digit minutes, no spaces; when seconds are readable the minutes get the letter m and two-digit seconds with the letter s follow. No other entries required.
1h11
